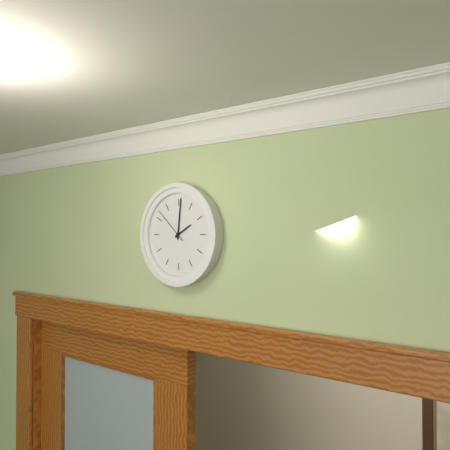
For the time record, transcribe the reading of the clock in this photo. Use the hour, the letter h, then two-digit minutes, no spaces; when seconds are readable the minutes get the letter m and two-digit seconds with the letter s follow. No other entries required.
2h01
